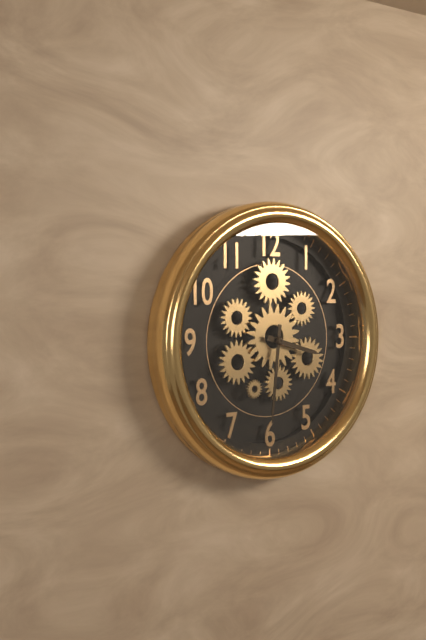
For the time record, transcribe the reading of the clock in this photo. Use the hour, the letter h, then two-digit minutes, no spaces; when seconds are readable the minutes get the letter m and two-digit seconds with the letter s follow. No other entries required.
3h31
